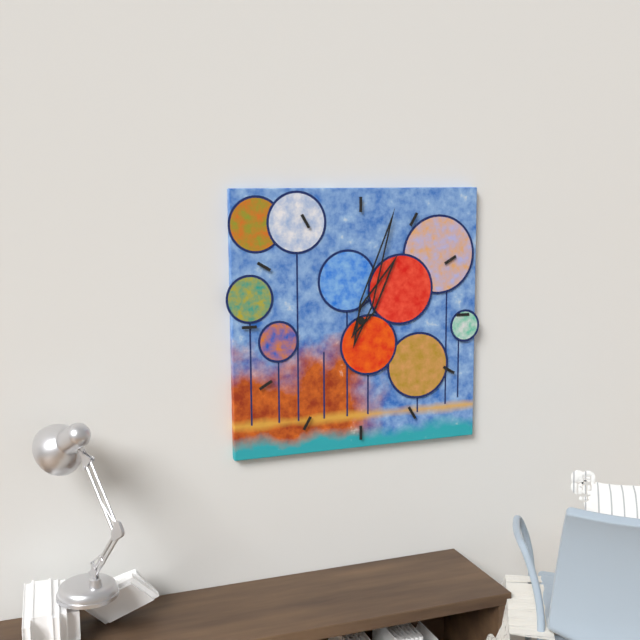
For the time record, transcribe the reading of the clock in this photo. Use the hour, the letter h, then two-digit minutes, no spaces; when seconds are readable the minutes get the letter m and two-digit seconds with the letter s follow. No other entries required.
1h03
